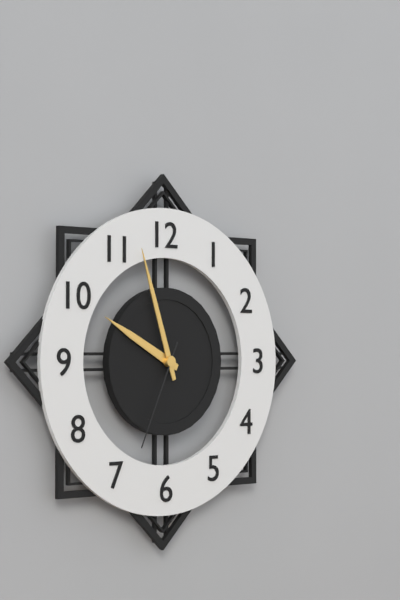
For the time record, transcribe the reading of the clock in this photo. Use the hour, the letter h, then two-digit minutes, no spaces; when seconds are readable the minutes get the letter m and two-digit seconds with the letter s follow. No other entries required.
9h57m34s
